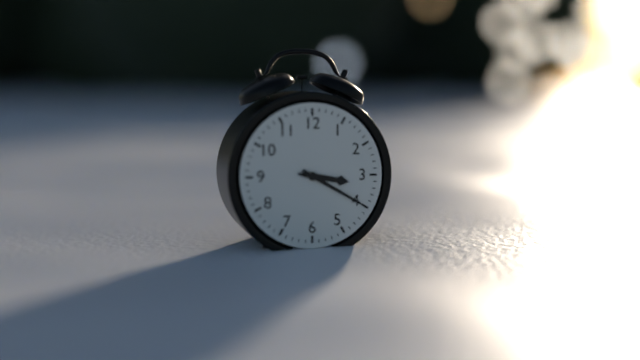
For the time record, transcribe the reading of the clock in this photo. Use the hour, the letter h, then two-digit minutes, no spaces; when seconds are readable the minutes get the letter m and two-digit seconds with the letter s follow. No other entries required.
3h20
